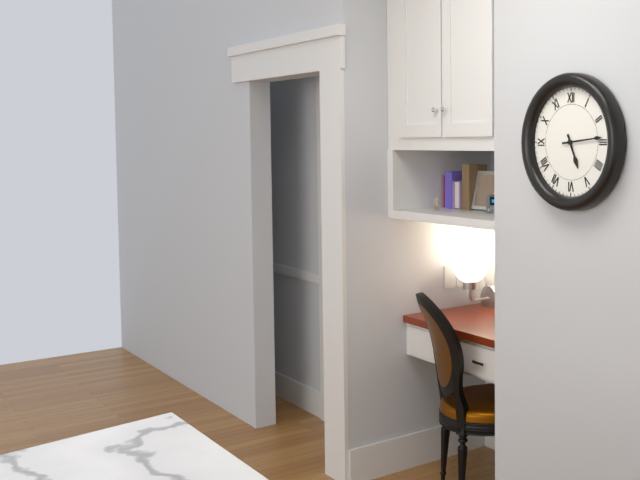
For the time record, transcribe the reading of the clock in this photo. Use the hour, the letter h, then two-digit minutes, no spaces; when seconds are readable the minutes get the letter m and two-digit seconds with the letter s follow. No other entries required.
5h14
